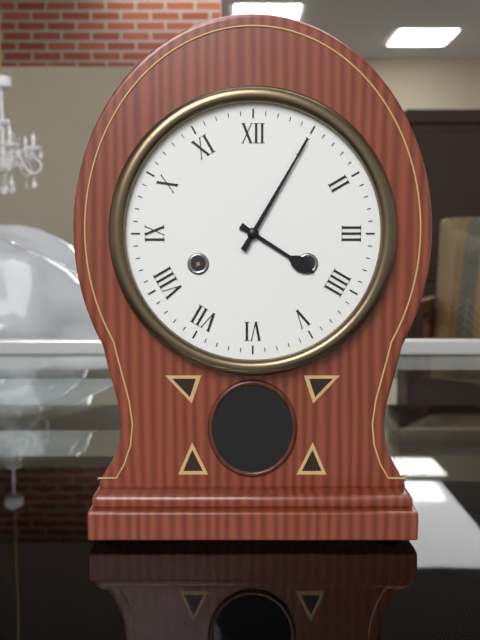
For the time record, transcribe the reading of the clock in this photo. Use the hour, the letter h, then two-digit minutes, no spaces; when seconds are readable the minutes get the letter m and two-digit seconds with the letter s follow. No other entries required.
4h05
